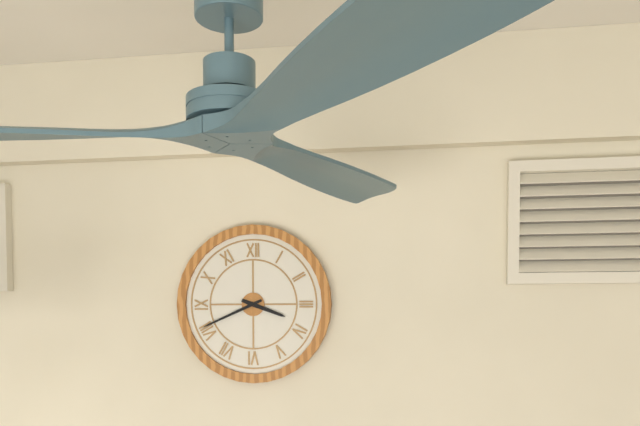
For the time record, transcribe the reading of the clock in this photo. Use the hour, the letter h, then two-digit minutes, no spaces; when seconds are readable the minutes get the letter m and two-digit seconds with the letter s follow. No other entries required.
3h41
